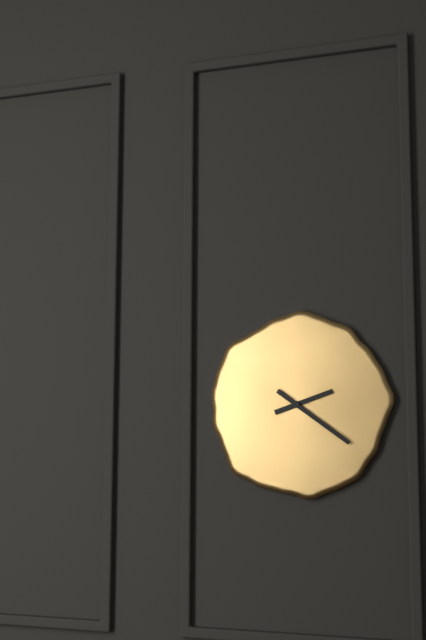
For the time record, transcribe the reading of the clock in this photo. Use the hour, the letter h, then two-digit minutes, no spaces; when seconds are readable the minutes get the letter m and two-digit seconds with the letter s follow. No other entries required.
2h21
